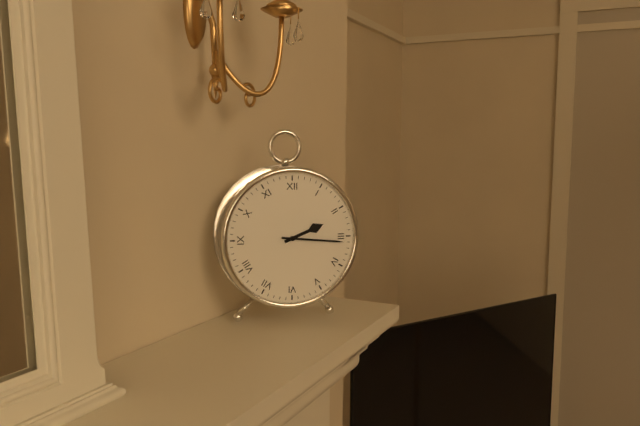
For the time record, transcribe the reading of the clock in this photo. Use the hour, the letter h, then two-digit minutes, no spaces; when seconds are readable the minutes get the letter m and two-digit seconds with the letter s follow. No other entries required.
2h16
